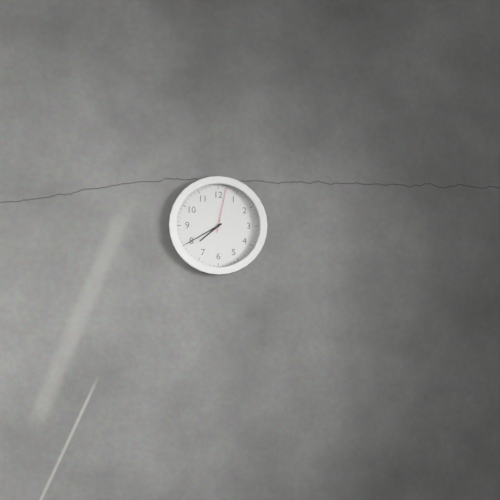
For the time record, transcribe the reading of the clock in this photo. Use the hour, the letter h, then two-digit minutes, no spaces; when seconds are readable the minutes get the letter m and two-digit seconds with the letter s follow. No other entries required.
7h40
